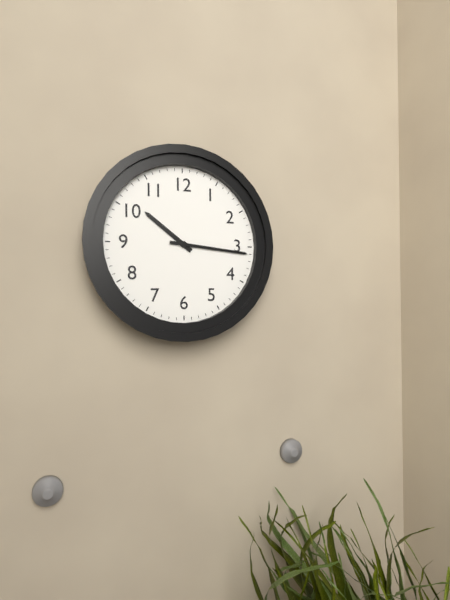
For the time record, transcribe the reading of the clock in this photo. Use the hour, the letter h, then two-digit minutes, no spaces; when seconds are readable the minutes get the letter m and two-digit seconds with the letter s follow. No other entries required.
10h16
